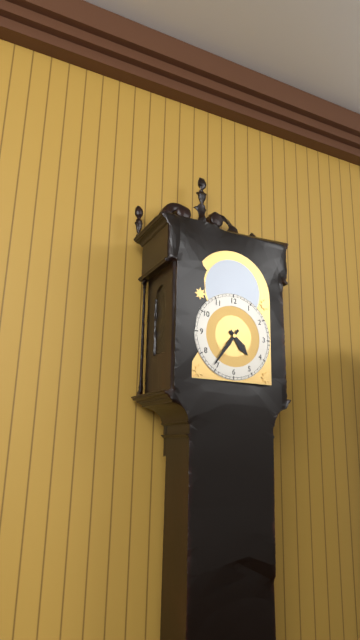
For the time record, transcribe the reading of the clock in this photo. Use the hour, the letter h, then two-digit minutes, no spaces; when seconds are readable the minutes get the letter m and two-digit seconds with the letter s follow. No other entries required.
4h36
